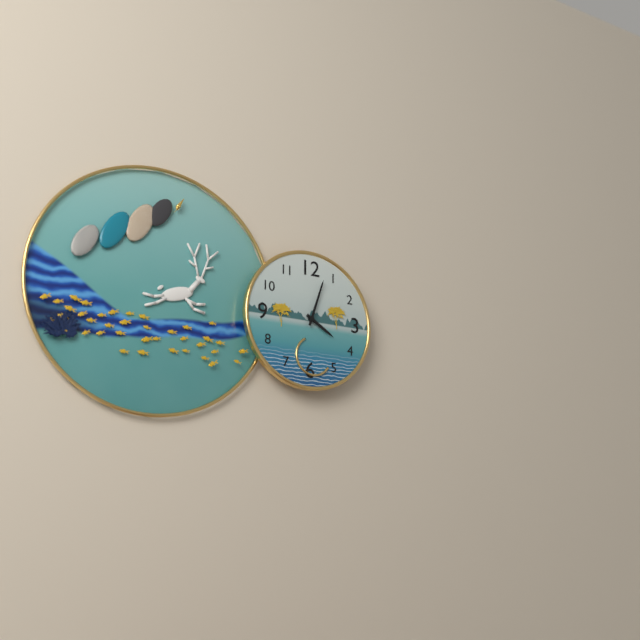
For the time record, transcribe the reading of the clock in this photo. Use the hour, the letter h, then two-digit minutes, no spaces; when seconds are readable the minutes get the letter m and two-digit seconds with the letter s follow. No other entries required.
4h03
